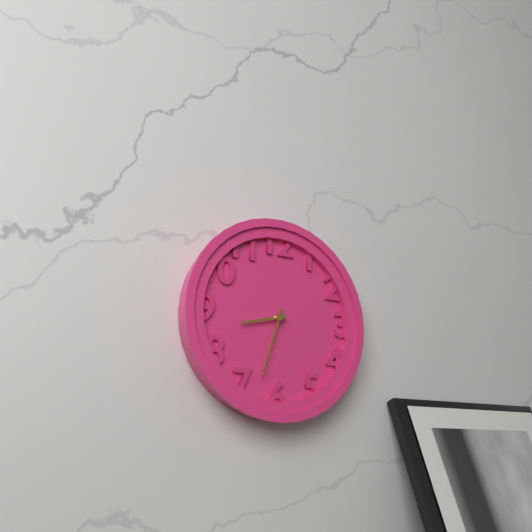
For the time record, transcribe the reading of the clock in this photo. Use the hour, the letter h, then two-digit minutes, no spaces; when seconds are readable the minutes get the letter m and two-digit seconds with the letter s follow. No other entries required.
8h33
